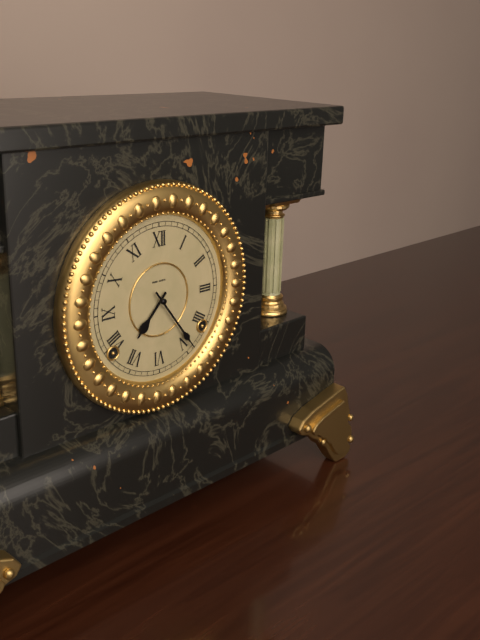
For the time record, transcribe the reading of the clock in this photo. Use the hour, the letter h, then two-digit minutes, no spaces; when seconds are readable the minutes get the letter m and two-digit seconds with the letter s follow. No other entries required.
7h24
